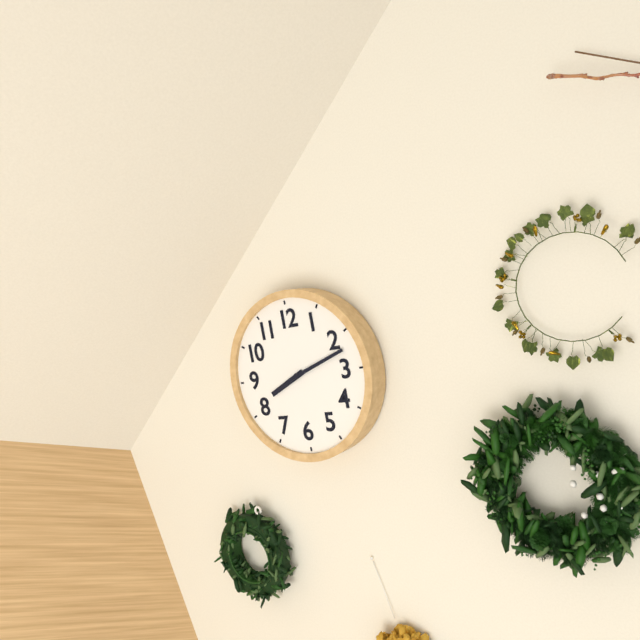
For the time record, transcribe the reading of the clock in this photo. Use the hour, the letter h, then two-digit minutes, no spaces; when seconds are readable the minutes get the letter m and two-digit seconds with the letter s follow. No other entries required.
8h12
